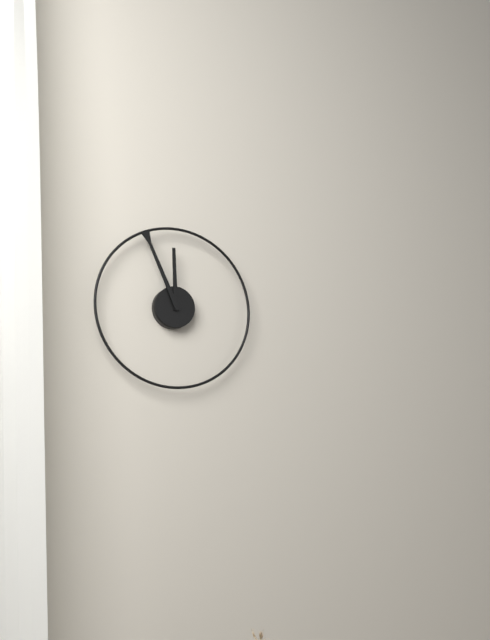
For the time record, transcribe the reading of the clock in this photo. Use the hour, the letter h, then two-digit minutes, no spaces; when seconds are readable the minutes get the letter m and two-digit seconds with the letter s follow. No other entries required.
11h56
